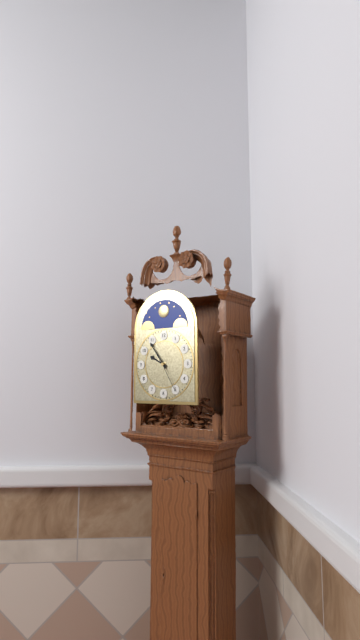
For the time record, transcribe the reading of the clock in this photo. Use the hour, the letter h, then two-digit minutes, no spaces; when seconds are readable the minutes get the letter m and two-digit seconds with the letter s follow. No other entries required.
9h54
